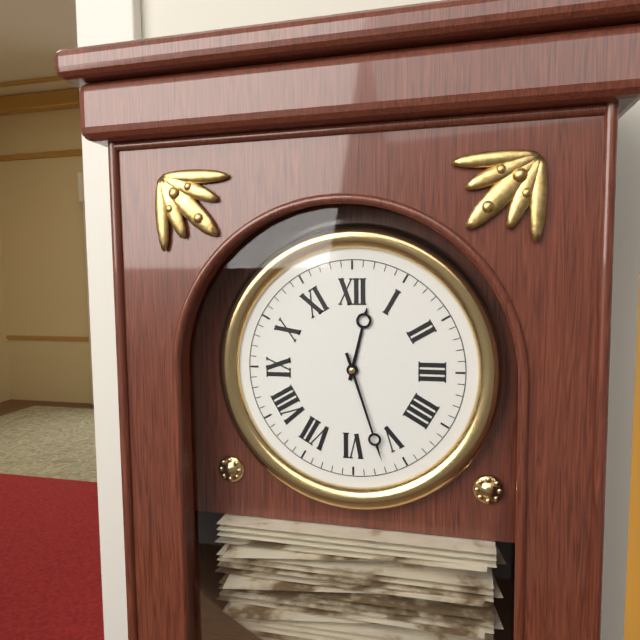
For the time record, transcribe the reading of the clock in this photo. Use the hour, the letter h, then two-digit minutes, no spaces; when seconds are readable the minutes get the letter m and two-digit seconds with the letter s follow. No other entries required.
12h27
